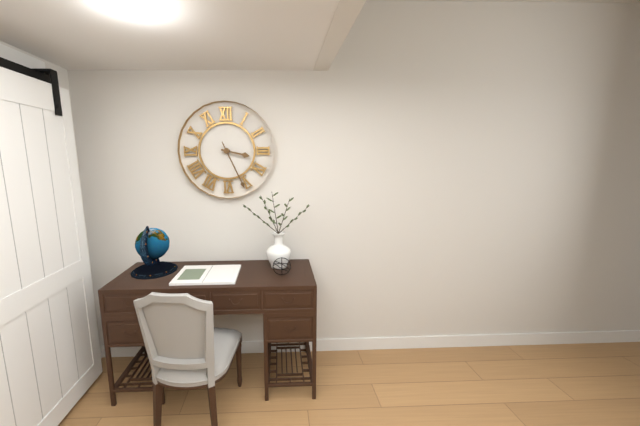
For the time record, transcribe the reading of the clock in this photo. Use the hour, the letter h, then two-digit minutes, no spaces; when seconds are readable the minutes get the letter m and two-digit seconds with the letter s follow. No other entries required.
3h26
